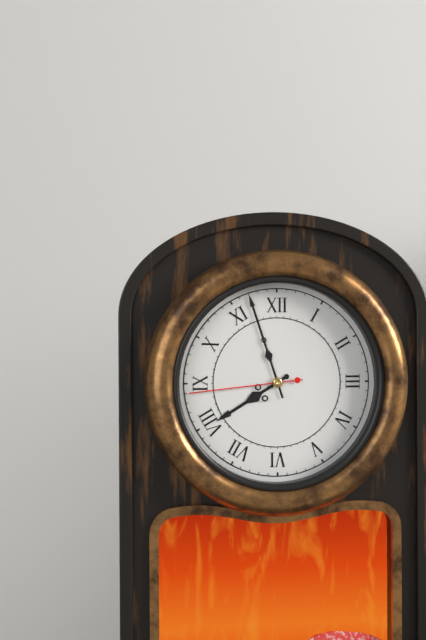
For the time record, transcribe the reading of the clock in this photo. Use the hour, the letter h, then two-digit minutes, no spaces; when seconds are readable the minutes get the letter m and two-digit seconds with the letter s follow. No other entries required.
7h57m44s
